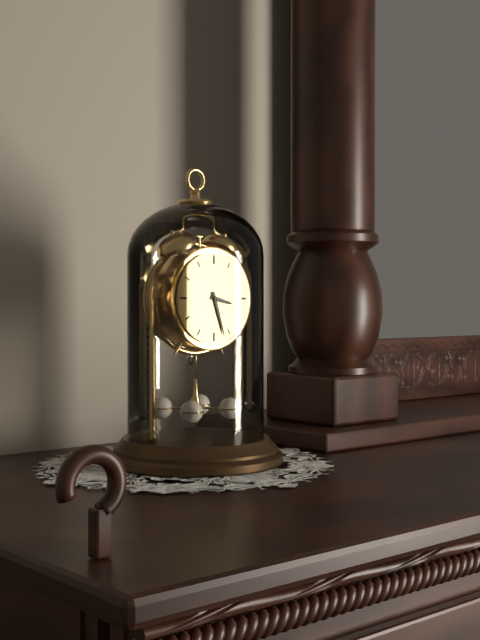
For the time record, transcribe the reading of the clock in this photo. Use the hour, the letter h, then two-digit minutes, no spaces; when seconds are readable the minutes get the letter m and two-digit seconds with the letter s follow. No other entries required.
3h27
